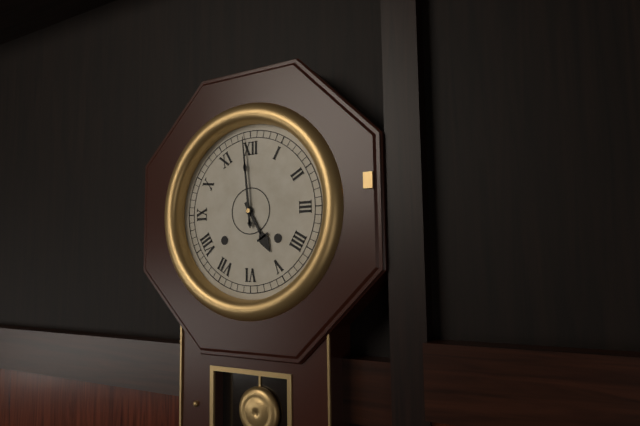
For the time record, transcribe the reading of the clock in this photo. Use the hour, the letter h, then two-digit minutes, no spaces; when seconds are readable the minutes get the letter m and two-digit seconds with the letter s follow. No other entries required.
4h59
